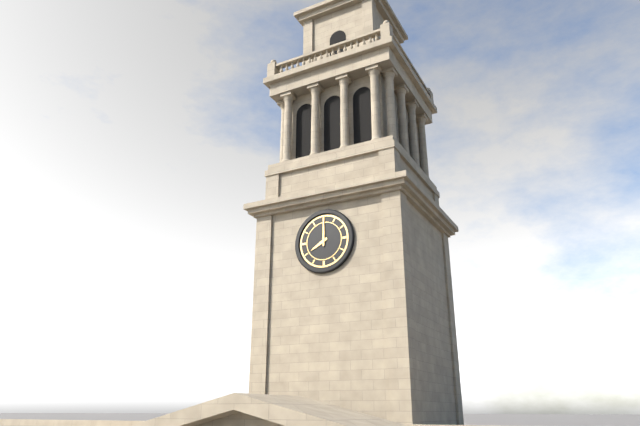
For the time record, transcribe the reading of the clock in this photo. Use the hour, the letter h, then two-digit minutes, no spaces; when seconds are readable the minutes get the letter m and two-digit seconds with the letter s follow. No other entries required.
8h00
